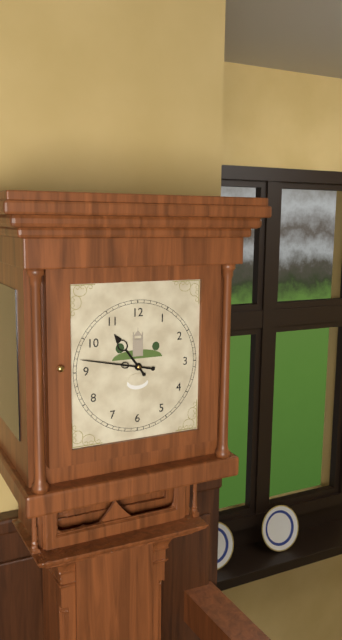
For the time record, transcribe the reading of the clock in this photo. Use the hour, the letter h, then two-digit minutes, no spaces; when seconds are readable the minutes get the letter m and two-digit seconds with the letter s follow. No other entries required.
10h47
